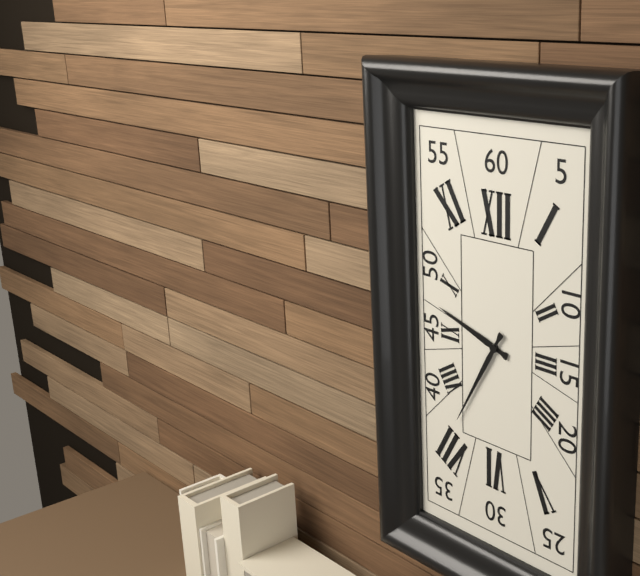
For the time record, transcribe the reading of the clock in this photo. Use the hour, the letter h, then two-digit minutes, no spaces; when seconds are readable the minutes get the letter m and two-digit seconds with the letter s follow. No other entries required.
9h35
